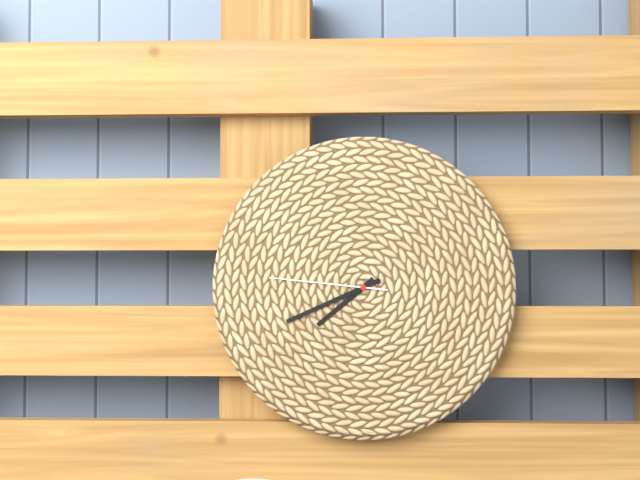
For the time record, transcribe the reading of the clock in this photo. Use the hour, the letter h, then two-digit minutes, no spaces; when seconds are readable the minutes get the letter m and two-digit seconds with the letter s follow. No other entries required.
7h41m46s
